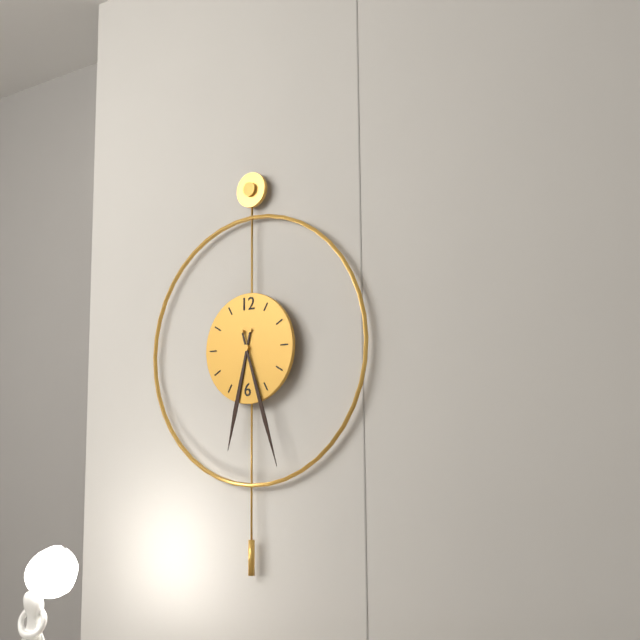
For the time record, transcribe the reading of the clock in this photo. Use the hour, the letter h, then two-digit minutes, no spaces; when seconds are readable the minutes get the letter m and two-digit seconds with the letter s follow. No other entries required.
6h27
